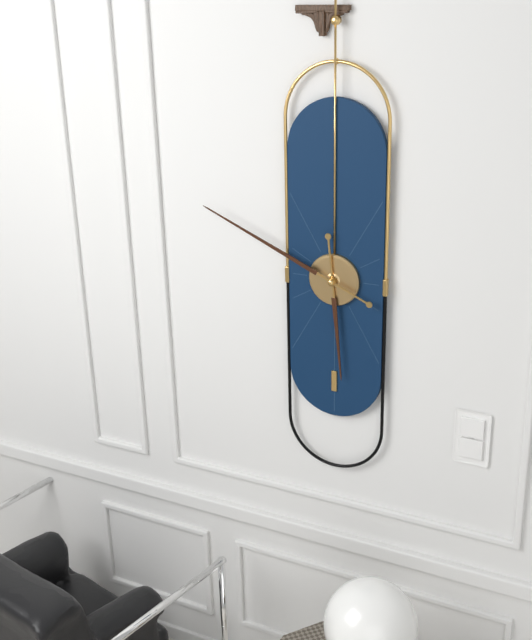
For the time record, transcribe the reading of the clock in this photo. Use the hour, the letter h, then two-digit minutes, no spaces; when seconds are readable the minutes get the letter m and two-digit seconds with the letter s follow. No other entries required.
5h49
